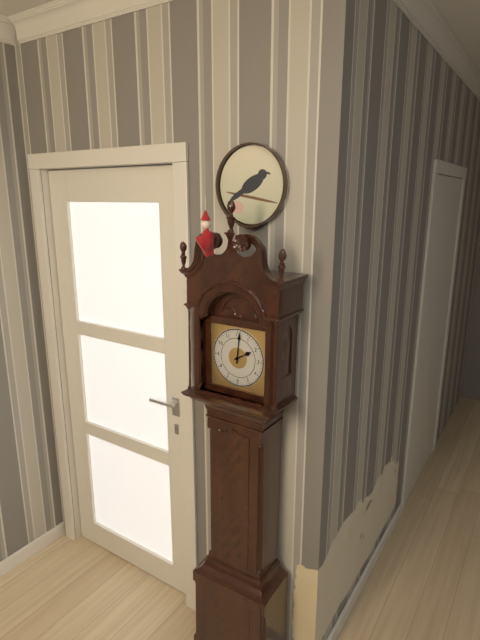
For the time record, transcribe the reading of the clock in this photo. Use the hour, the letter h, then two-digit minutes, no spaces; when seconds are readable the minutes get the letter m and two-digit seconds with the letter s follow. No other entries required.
2h01
